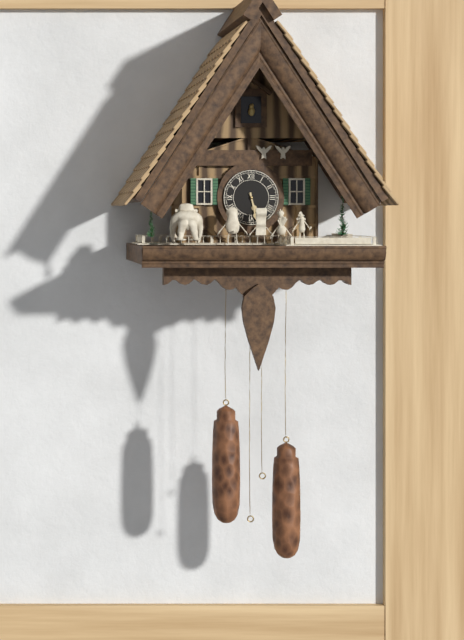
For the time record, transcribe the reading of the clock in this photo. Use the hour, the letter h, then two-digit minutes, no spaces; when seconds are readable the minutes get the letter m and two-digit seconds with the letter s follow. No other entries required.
5h28
